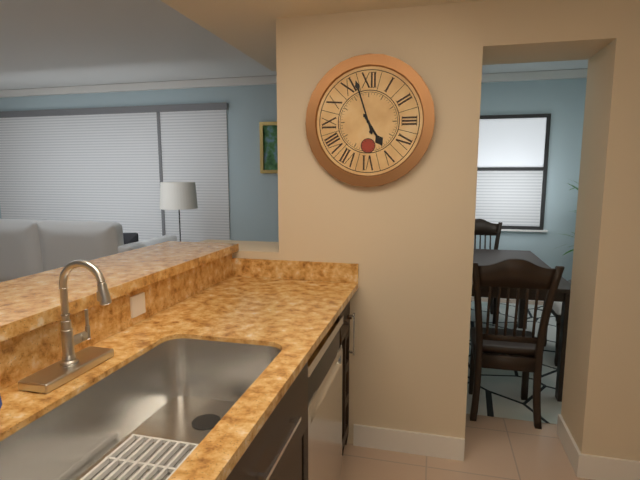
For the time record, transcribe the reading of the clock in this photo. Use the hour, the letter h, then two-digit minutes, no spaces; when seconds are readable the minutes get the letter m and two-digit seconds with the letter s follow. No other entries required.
4h57
